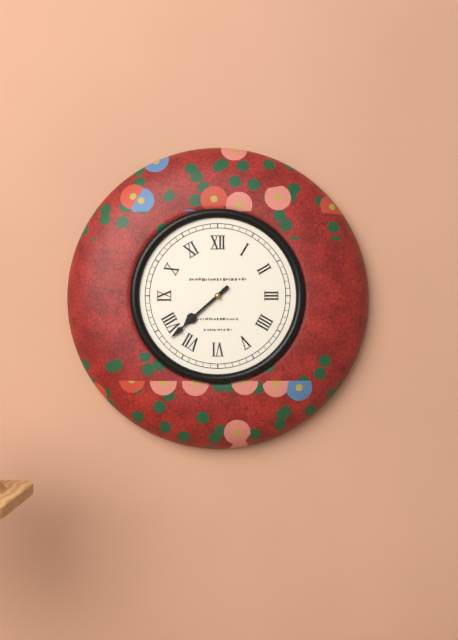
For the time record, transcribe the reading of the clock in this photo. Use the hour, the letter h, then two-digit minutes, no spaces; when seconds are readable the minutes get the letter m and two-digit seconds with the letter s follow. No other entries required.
7h38
